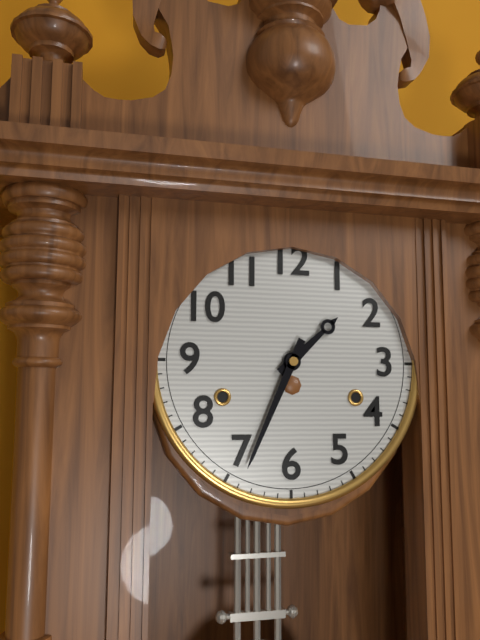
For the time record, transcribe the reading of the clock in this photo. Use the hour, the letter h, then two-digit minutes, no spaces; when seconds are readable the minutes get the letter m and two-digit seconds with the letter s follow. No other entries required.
1h34
